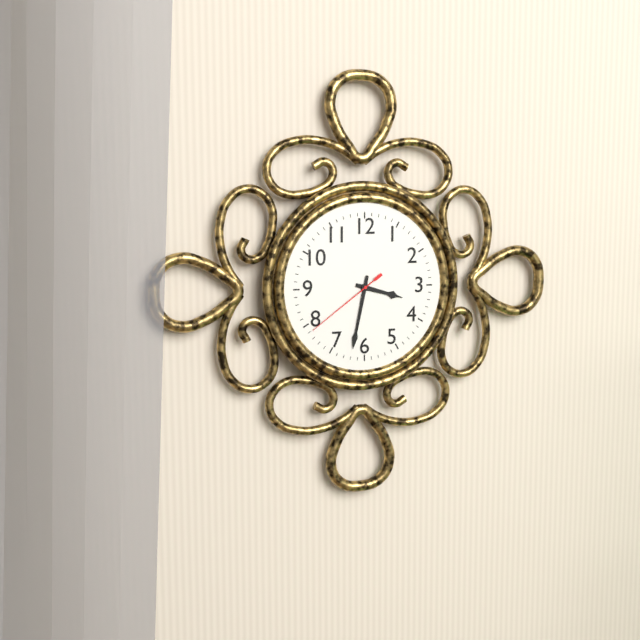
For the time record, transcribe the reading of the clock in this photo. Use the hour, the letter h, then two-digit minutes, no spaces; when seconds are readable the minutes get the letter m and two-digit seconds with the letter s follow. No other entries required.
3h32m39s
